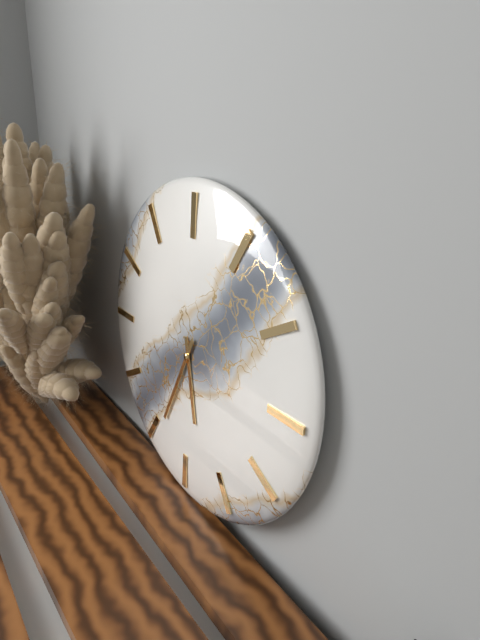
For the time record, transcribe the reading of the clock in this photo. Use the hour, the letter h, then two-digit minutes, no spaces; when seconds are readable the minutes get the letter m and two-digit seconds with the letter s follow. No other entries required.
5h34
